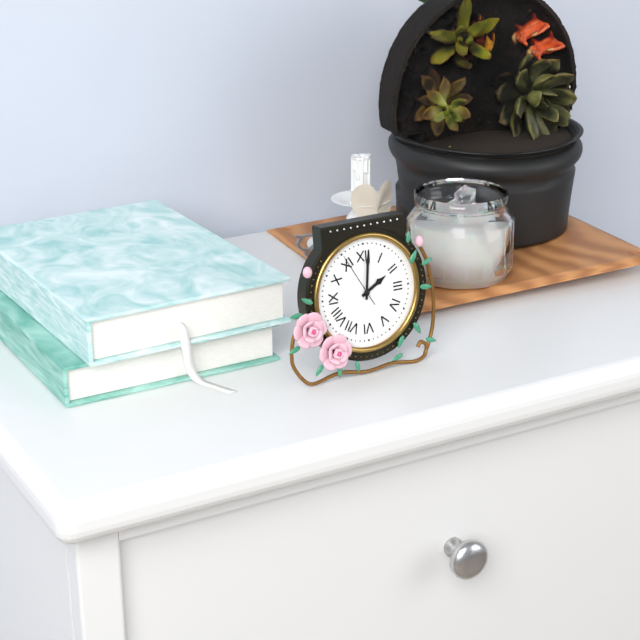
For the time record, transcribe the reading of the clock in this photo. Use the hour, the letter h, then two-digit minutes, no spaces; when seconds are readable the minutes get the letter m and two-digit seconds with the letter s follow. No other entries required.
2h01m55s
